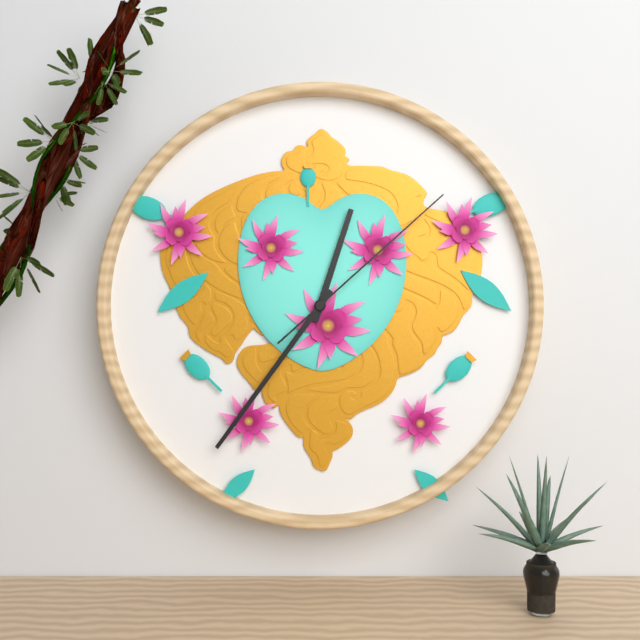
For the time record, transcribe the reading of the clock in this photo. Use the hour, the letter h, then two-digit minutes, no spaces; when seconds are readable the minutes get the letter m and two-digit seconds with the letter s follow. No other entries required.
12h36m08s
